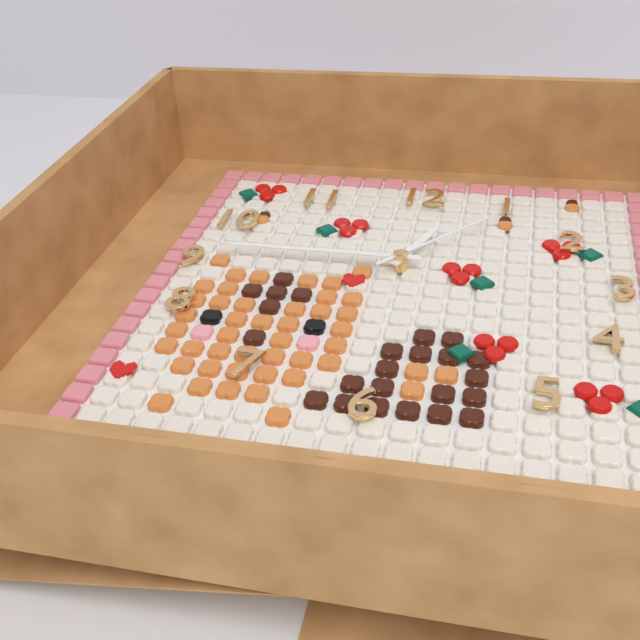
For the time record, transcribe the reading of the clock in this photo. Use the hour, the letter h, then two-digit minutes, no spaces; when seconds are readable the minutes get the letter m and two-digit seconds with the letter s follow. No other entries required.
12h45m07s
